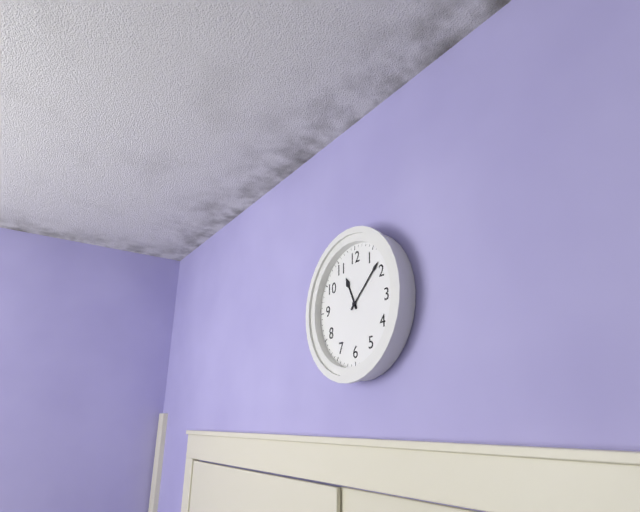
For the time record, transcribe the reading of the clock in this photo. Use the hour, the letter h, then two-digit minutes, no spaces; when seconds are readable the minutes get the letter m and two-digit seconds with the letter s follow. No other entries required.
11h08
